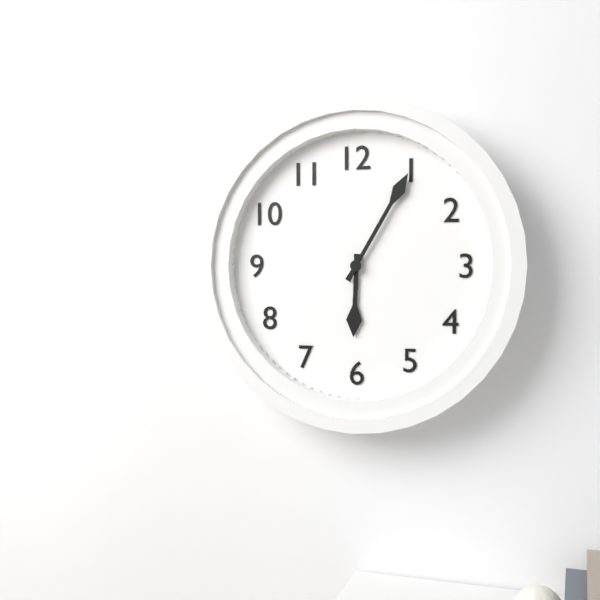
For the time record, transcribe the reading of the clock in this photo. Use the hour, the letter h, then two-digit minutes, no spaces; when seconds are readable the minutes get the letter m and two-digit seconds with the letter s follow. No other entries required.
6h05
